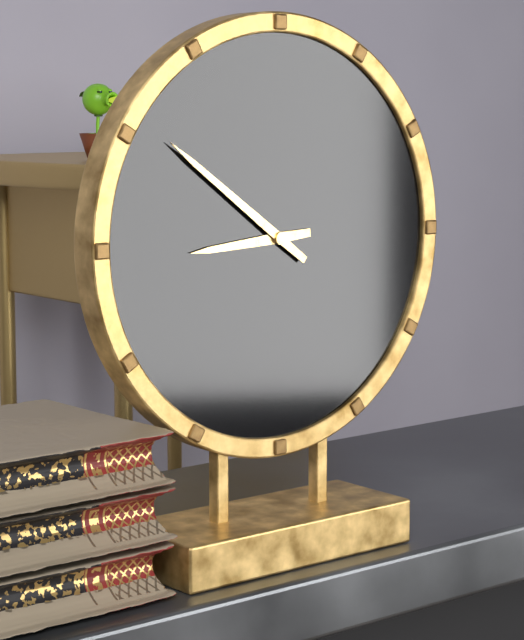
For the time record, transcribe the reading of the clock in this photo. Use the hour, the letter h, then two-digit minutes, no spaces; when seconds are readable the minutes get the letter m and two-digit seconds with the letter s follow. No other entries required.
8h51
